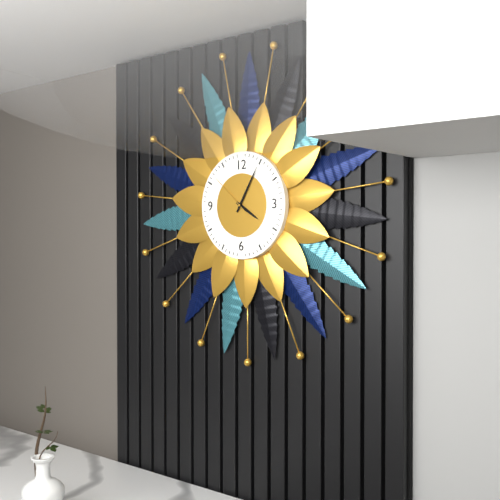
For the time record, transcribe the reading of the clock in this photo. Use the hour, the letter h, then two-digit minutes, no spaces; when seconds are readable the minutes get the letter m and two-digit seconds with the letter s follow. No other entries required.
4h05
